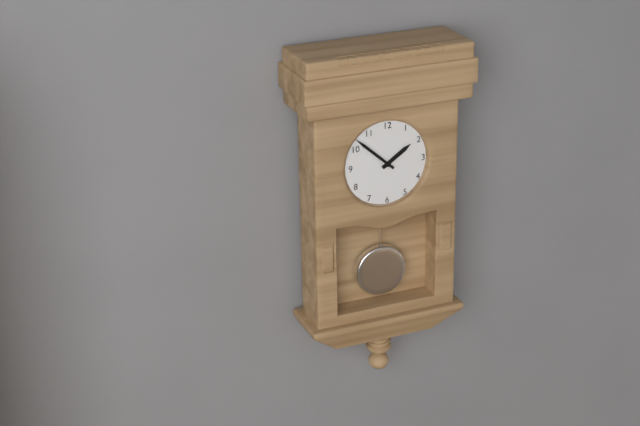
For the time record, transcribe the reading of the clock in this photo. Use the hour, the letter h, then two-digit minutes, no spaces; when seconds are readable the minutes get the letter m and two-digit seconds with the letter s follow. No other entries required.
1h52
